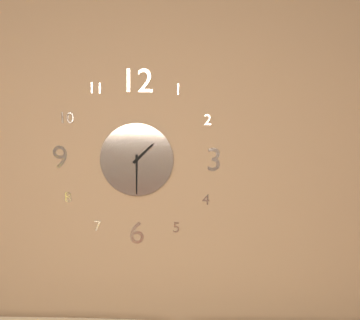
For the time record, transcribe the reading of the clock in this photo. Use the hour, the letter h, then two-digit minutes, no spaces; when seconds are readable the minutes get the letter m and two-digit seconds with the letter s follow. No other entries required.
1h30
